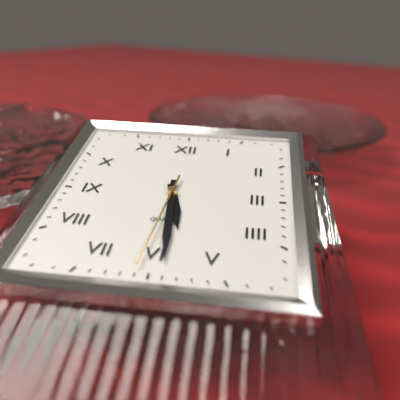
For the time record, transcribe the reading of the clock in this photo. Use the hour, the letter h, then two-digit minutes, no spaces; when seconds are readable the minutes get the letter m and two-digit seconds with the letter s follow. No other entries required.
5h29m31s
